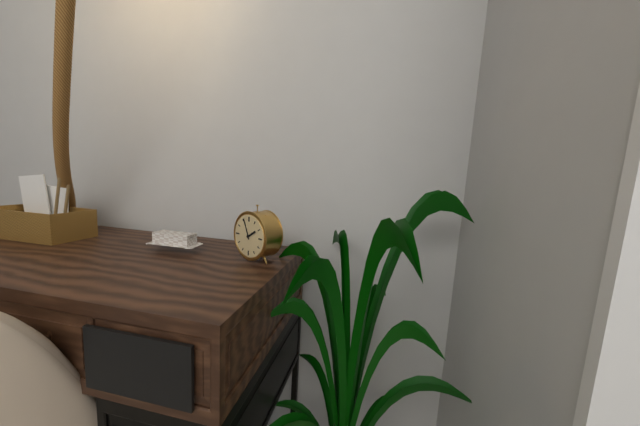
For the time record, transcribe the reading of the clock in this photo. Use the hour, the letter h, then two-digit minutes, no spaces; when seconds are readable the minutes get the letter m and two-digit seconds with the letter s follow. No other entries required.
1h56
